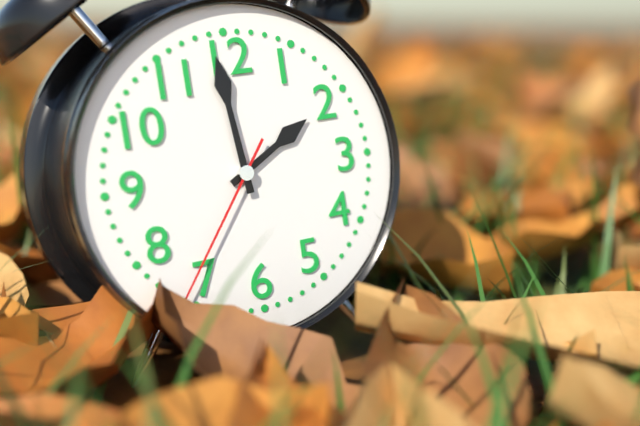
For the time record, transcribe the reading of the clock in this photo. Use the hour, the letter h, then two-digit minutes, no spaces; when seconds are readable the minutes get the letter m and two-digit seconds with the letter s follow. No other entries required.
1h59m36s
